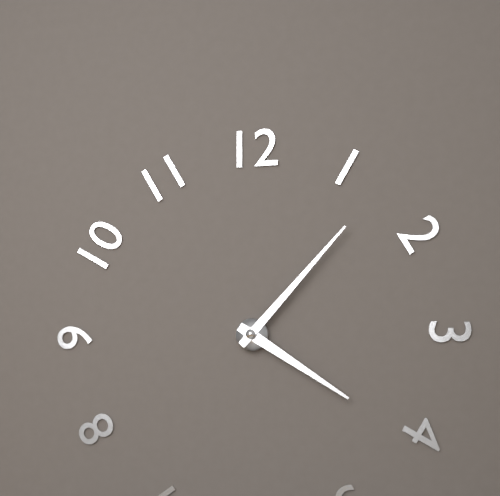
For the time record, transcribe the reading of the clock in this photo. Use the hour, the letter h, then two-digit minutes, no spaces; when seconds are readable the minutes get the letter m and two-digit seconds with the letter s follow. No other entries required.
4h07
